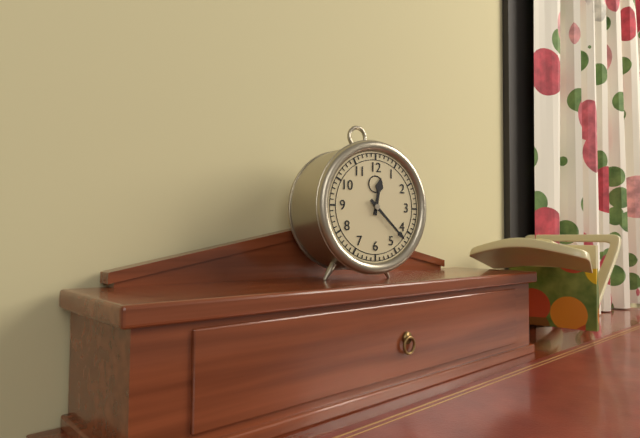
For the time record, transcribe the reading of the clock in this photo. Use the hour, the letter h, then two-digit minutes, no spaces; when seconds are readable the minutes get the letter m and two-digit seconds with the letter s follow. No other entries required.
12h22
